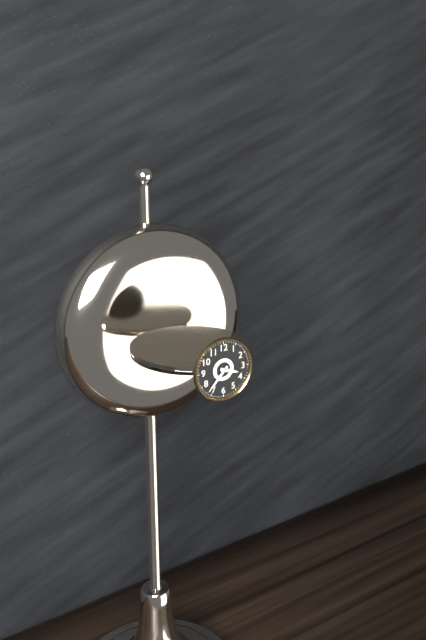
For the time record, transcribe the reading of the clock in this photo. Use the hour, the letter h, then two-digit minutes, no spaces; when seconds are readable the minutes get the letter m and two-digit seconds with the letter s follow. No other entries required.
3h37
